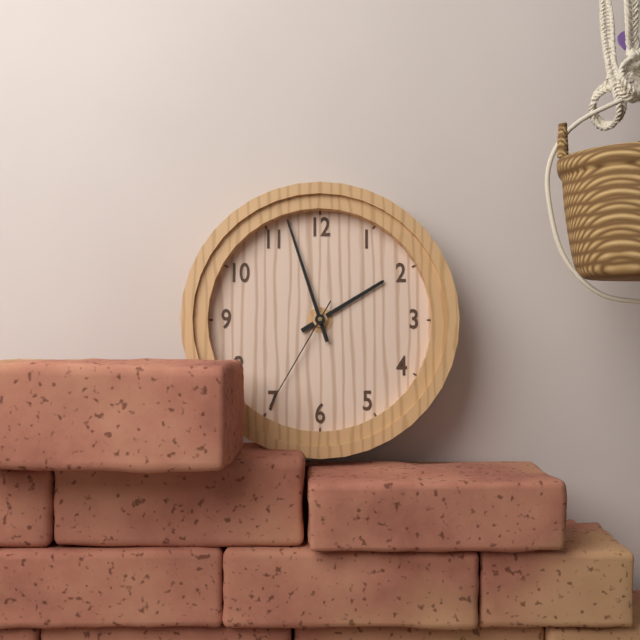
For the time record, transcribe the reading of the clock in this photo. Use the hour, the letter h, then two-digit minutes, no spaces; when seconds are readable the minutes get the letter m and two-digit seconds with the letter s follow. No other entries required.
1h57m35s
